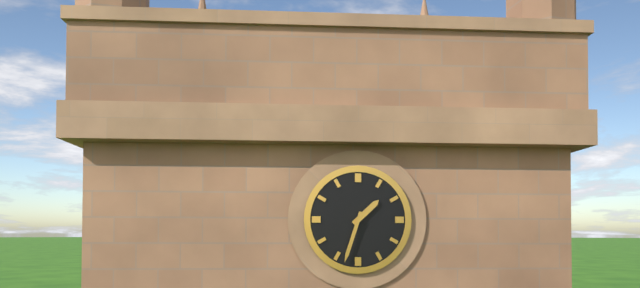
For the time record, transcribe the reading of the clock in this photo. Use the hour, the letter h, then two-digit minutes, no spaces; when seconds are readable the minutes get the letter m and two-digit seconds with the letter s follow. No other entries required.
1h33
